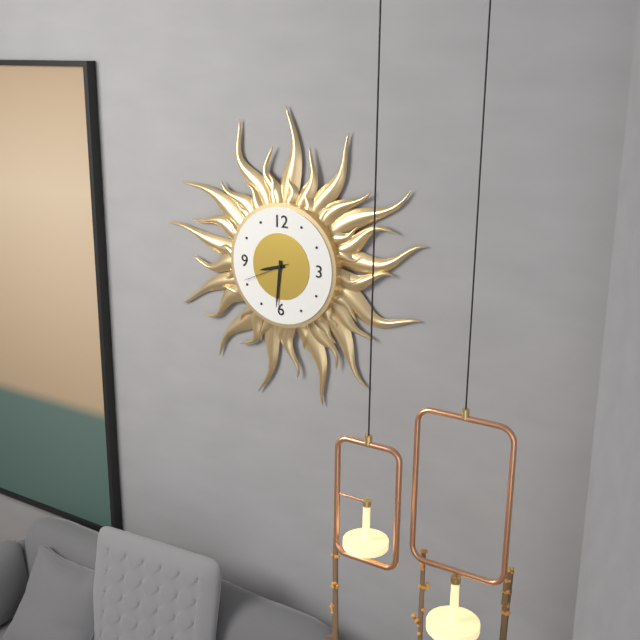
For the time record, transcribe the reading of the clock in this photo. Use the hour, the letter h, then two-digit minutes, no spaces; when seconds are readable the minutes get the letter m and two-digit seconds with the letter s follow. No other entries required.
8h31
